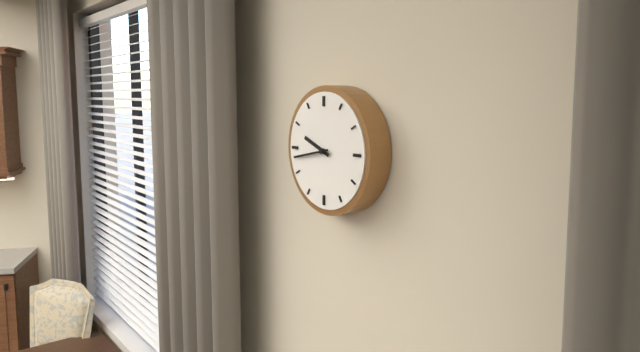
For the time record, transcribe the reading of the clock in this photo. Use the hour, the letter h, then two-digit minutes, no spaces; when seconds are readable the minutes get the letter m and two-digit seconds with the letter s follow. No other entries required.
9h43
